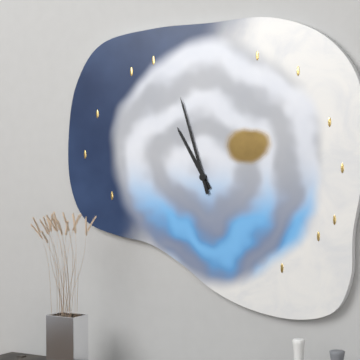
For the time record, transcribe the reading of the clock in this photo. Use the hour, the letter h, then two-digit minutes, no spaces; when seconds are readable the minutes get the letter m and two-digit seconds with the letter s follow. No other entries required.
10h57
